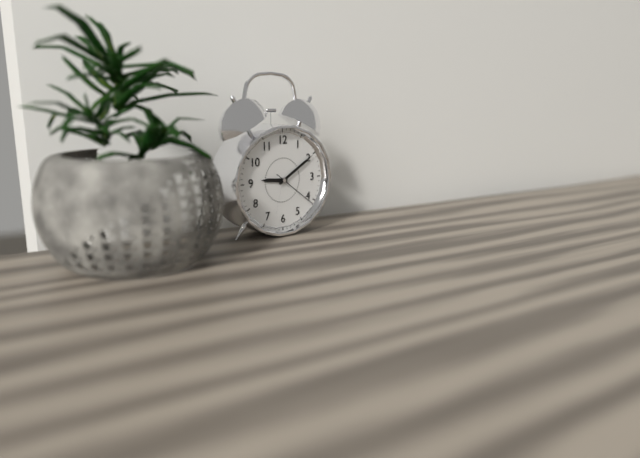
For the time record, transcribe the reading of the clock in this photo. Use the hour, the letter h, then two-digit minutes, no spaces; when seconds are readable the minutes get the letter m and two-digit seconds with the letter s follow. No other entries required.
9h10
